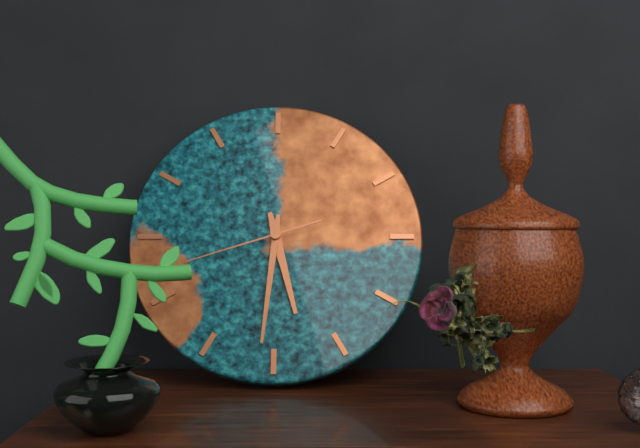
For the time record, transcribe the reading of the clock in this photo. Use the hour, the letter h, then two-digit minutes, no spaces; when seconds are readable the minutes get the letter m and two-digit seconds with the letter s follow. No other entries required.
5h31m42s
